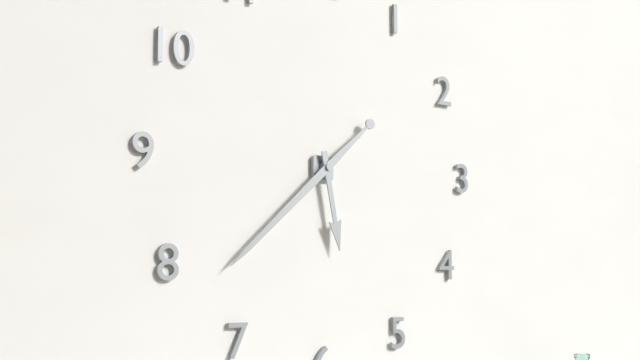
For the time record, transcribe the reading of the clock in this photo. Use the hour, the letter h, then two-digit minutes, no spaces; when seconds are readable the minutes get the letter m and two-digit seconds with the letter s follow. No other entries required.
5h38
